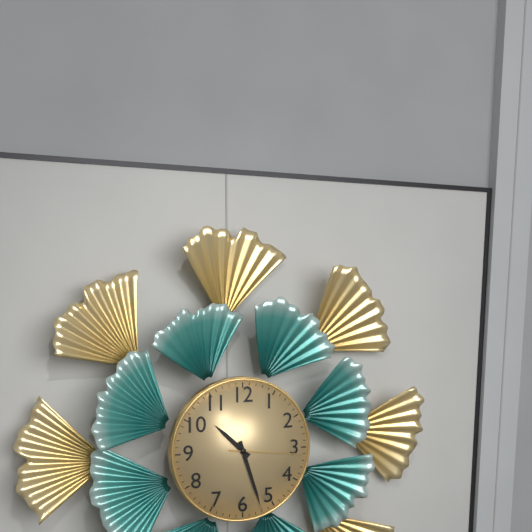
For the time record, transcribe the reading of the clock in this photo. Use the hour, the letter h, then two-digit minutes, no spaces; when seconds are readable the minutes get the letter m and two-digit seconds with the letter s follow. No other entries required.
10h27m16s
